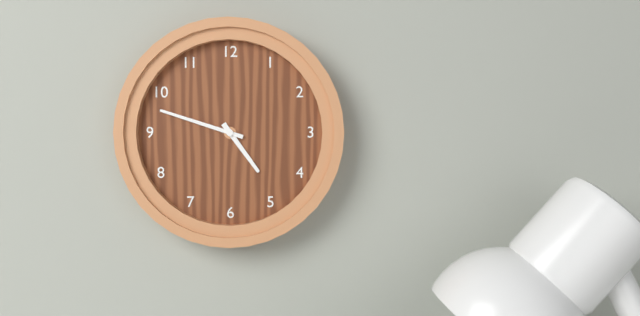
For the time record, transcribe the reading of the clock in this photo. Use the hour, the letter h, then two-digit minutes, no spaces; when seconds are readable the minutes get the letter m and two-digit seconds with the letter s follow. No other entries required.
4h48
